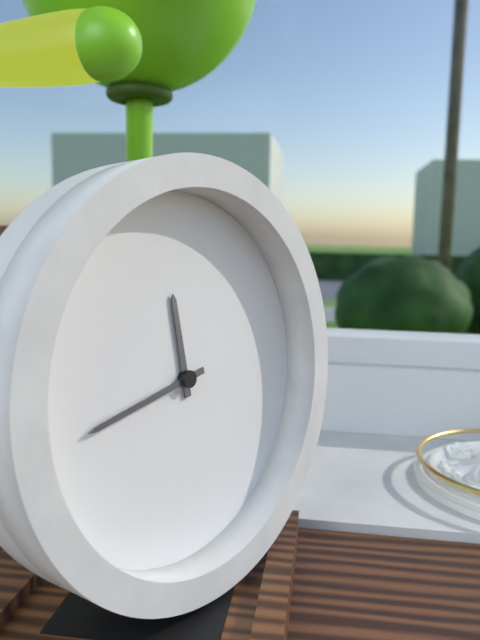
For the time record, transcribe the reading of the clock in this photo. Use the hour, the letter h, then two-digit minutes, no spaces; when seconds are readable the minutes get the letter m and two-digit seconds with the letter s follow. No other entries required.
11h43
